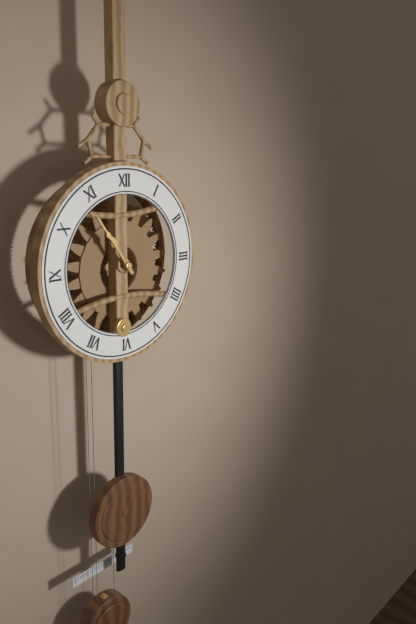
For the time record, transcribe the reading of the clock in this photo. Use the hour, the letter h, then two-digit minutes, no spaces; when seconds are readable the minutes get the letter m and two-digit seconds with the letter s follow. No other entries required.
10h54
